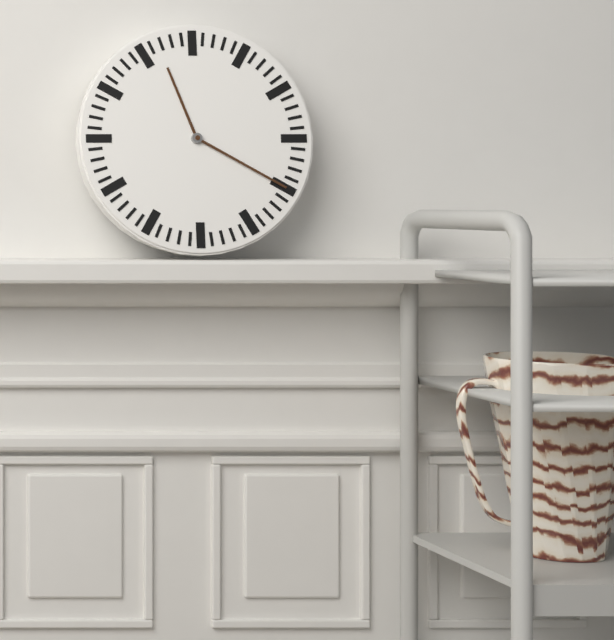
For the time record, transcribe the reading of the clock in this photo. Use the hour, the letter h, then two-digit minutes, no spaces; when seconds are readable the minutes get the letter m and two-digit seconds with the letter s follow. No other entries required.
11h20
